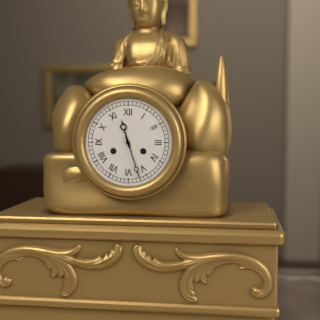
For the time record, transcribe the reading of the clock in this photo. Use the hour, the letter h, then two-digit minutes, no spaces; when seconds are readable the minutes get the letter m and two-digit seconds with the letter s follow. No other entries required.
11h27
